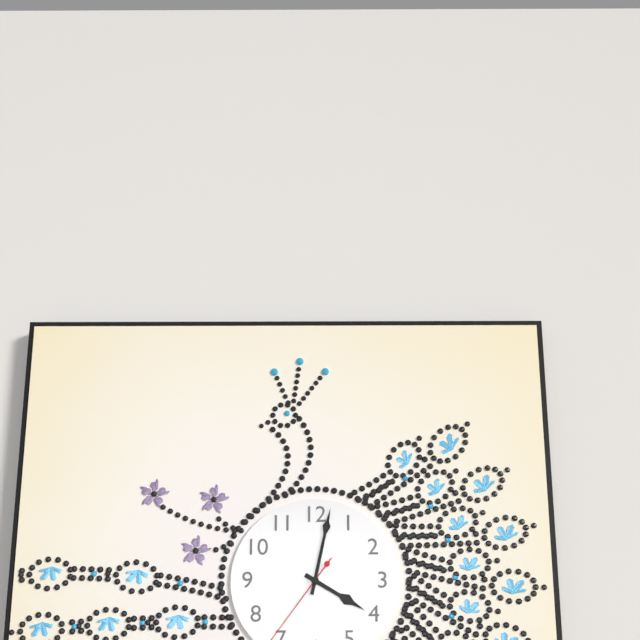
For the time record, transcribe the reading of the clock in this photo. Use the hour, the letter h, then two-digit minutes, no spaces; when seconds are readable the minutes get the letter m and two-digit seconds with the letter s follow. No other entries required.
4h02
